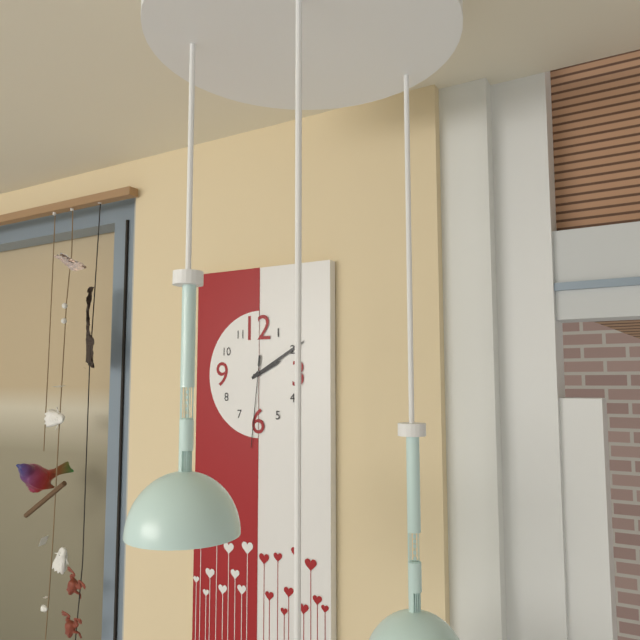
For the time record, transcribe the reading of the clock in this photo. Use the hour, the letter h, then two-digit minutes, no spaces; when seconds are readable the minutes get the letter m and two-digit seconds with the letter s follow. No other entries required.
2h10m31s
